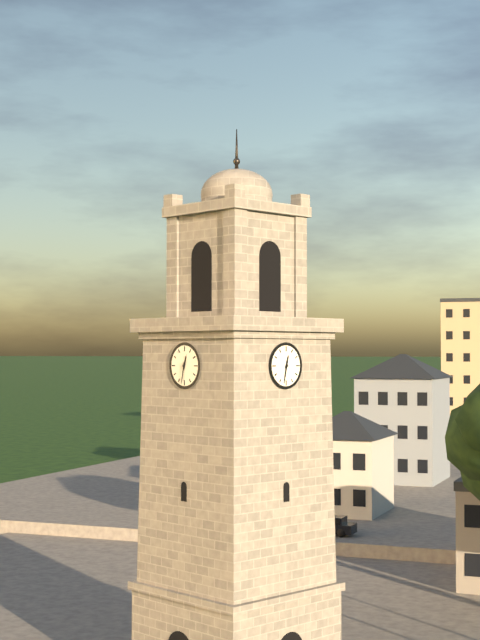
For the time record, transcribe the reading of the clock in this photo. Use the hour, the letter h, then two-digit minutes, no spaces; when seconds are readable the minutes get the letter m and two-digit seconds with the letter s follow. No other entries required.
12h32
